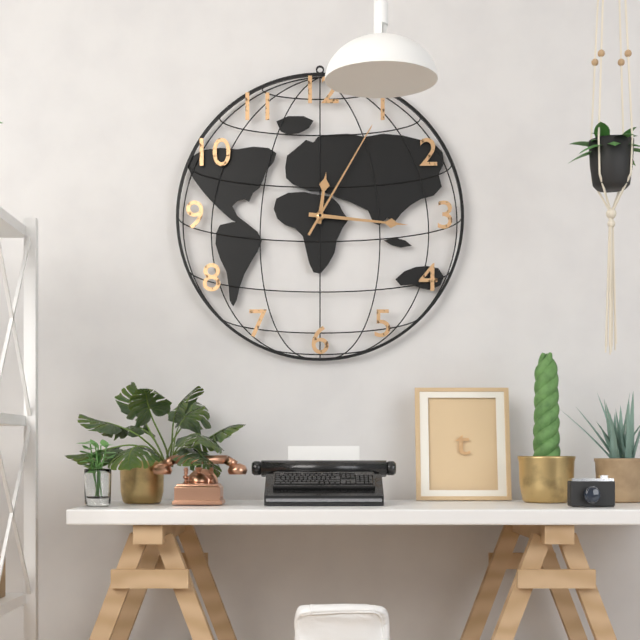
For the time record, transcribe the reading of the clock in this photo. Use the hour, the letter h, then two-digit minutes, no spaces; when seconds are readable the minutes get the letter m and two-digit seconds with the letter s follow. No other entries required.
12h16m05s
